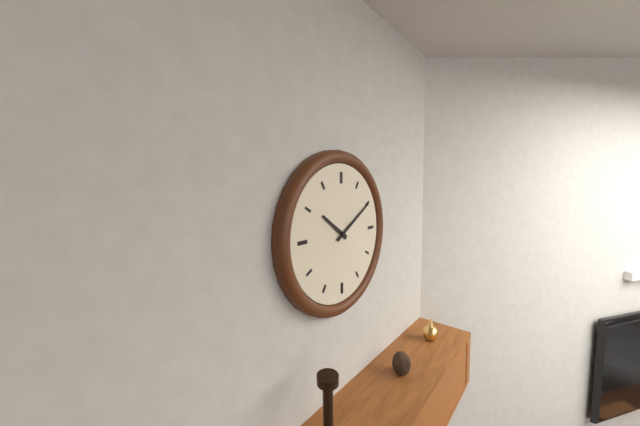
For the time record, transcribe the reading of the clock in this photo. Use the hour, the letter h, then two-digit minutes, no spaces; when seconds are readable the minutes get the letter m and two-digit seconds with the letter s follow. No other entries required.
10h10
